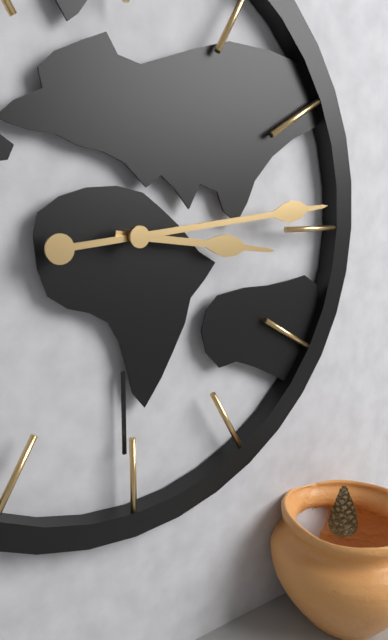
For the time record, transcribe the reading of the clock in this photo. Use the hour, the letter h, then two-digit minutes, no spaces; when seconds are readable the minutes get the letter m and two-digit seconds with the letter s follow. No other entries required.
3h14
